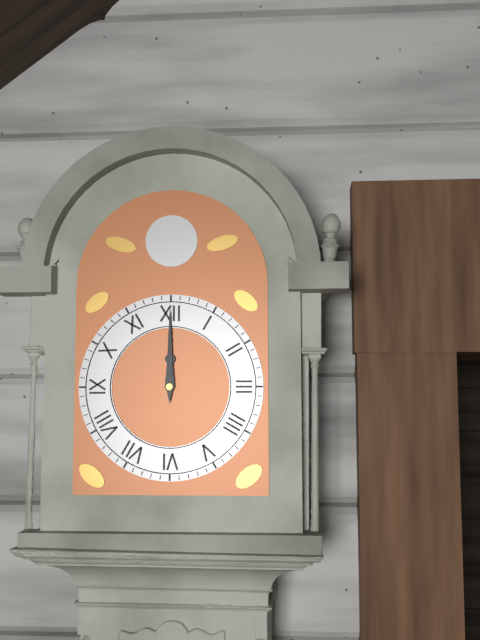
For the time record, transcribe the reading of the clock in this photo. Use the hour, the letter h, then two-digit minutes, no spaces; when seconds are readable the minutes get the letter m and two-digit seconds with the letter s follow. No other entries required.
12h00
